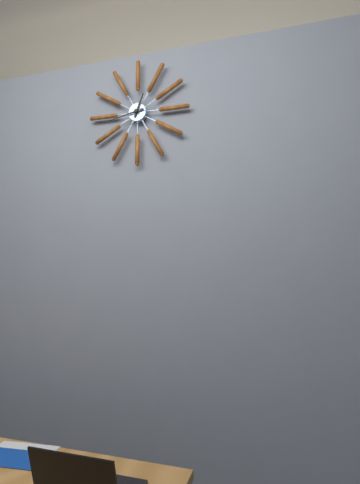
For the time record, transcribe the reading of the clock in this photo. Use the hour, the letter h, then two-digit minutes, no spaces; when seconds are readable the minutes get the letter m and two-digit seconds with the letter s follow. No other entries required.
12h43
